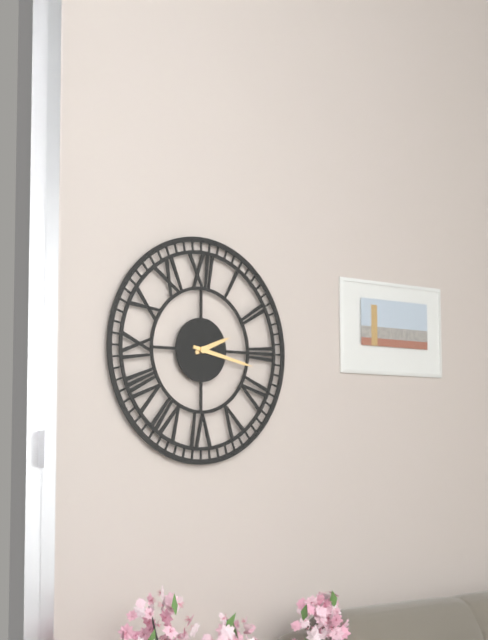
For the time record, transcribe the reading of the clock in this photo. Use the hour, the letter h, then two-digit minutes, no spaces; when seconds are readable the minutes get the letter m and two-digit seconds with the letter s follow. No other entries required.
2h17
